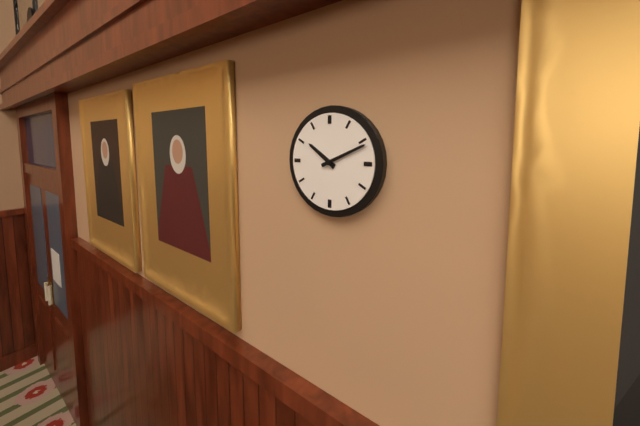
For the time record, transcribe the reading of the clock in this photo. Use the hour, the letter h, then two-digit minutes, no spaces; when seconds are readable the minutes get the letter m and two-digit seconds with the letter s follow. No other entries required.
10h11
